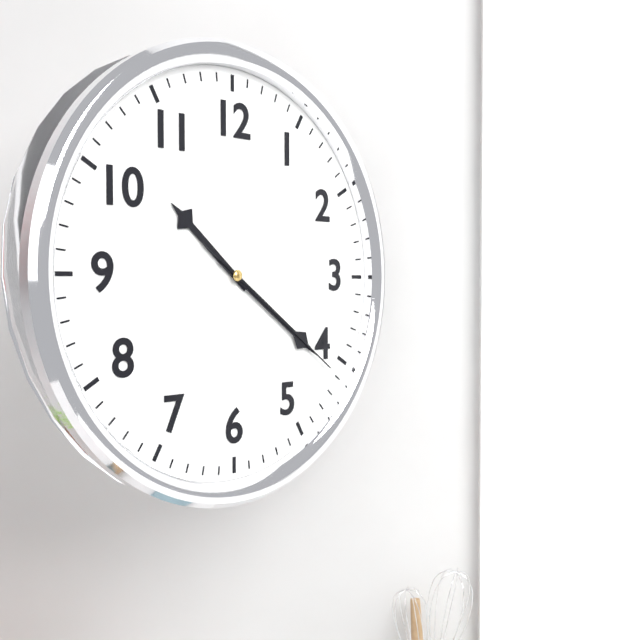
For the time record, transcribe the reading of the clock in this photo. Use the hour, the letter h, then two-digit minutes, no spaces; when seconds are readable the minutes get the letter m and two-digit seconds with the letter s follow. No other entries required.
10h21m21s
